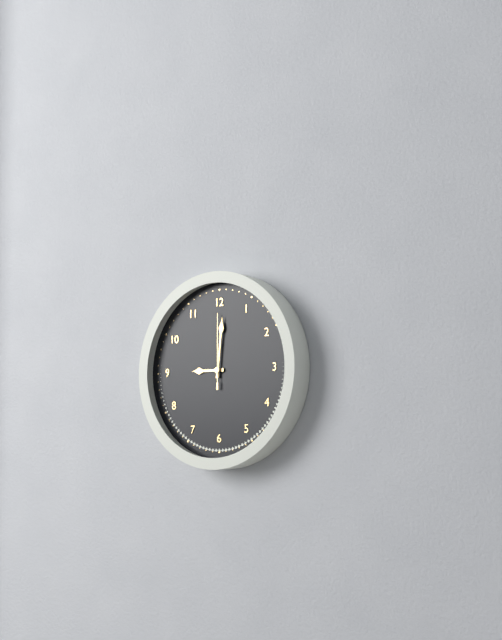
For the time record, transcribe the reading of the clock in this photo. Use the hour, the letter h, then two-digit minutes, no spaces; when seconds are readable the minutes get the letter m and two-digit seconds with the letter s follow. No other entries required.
9h01m00s
